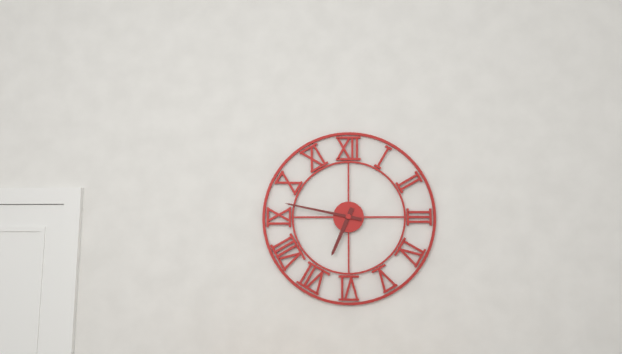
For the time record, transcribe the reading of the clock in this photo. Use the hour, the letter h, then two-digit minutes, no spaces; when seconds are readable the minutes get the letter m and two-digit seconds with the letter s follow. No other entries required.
6h47
